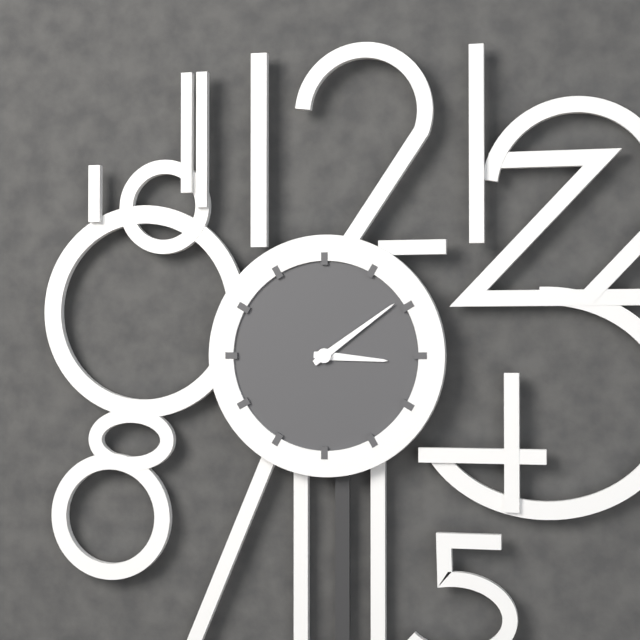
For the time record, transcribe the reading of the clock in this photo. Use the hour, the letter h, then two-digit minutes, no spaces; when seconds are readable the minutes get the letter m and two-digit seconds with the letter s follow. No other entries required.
3h09
